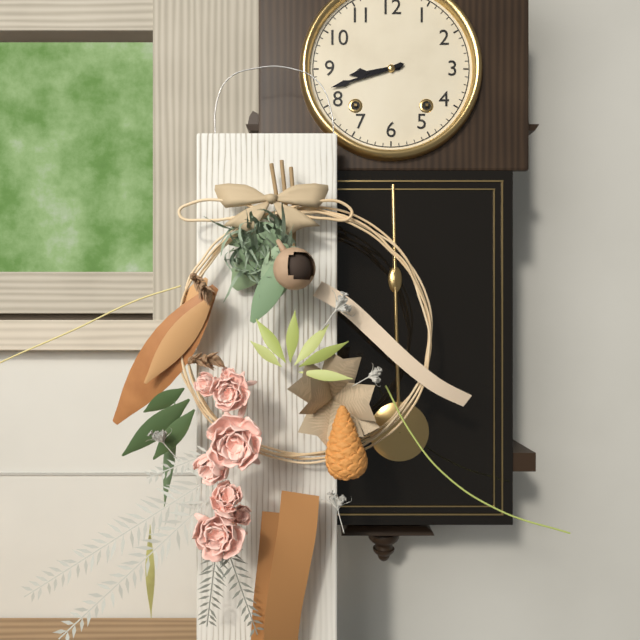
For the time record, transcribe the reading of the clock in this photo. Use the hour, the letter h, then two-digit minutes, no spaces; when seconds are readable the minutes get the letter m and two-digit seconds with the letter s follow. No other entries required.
8h42
